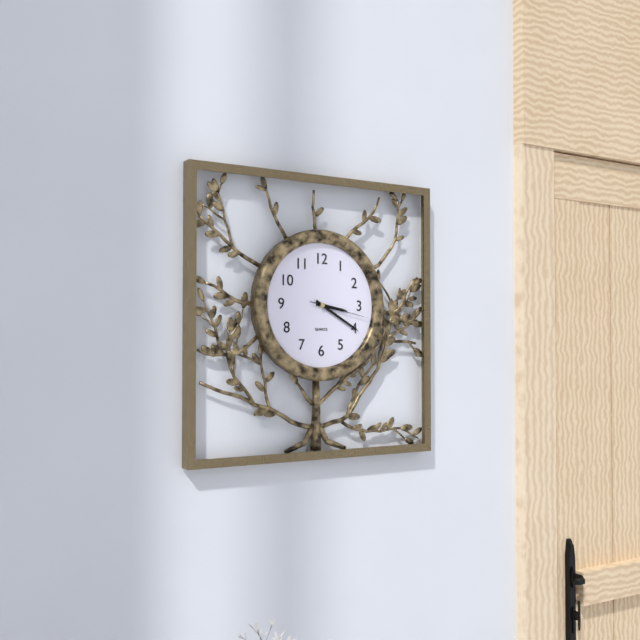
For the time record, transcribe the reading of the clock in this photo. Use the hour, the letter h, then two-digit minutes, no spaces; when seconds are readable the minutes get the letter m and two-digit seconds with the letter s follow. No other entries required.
3h20m17s
